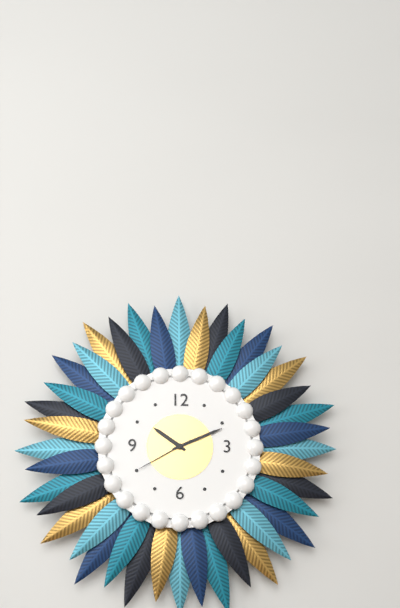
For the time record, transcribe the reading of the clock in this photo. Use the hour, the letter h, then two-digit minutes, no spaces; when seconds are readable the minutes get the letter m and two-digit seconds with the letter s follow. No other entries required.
10h11m40s
